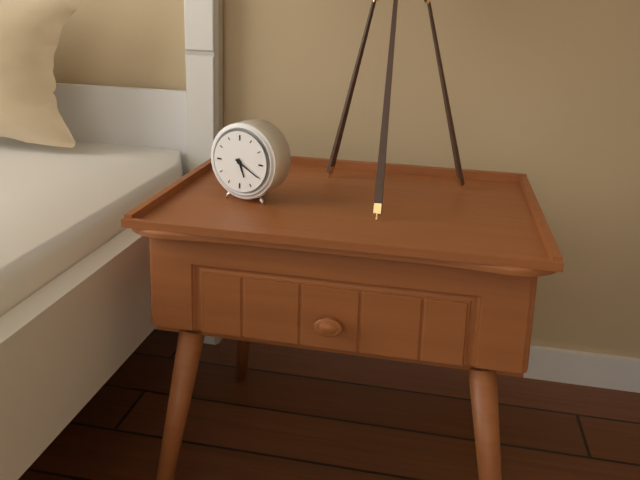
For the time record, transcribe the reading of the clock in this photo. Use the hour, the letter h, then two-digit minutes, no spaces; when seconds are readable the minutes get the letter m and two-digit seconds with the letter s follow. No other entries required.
5h20
